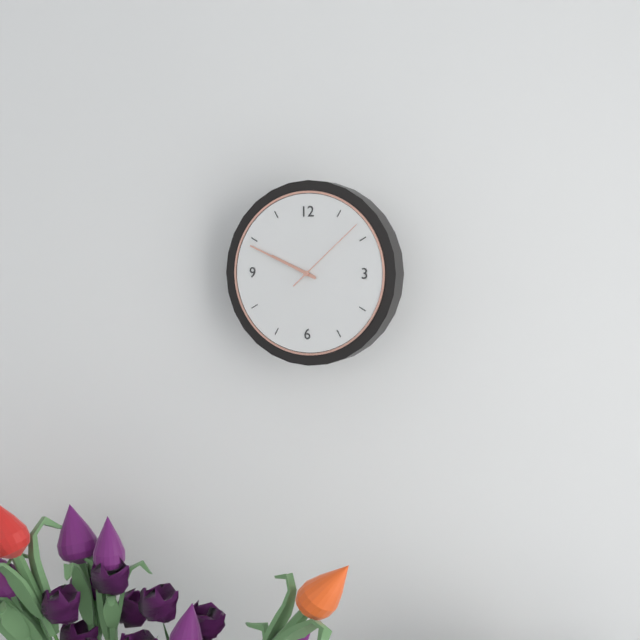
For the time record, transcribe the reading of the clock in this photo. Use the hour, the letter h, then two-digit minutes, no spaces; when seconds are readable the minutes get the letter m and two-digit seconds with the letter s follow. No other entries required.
9h49m08s
